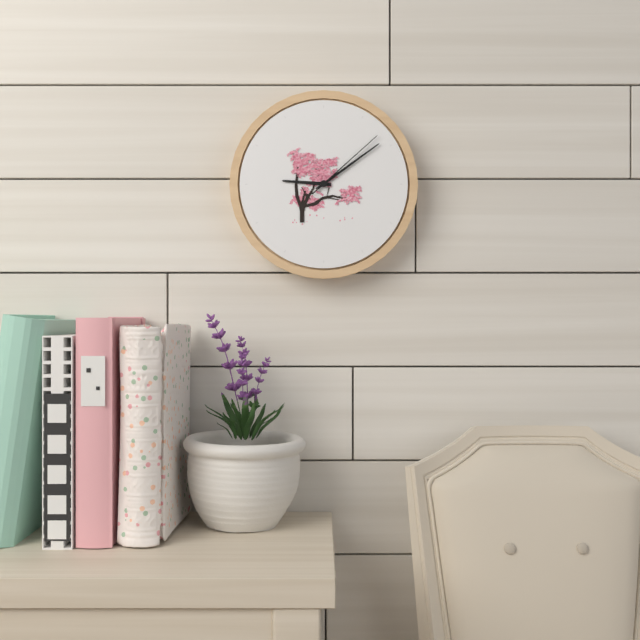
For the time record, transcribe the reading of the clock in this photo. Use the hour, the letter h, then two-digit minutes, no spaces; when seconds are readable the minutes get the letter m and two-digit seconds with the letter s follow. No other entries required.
9h09m08s
